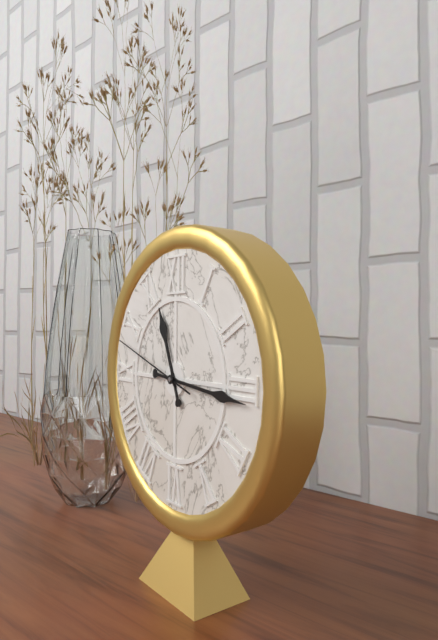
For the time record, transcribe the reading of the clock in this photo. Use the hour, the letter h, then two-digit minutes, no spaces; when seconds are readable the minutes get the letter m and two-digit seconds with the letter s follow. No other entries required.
11h16m48s
